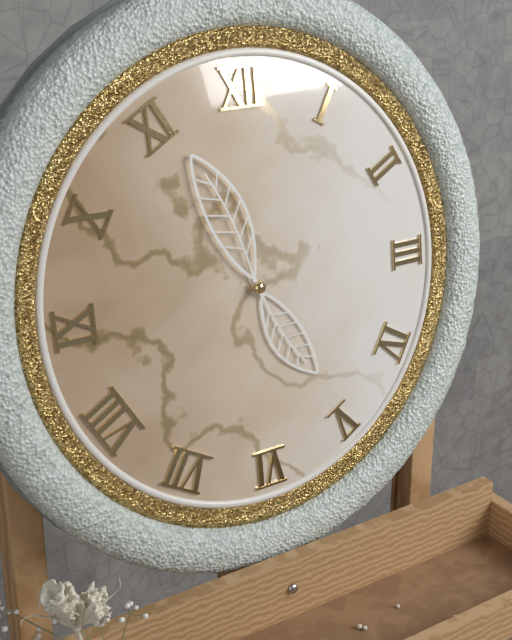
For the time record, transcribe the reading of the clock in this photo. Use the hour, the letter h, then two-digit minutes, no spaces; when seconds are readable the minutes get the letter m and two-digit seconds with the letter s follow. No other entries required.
4h56
